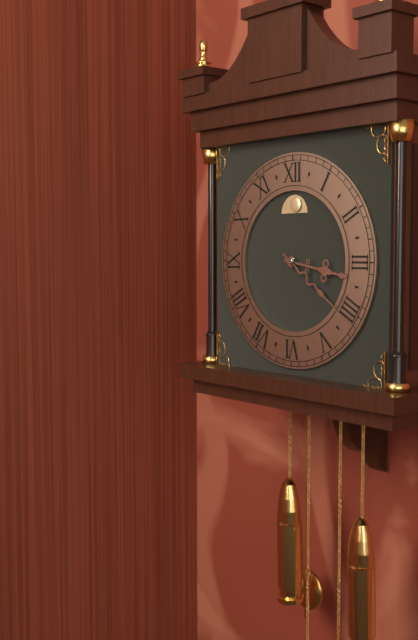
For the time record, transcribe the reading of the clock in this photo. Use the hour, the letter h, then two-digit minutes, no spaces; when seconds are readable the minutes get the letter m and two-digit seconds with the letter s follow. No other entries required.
3h21
